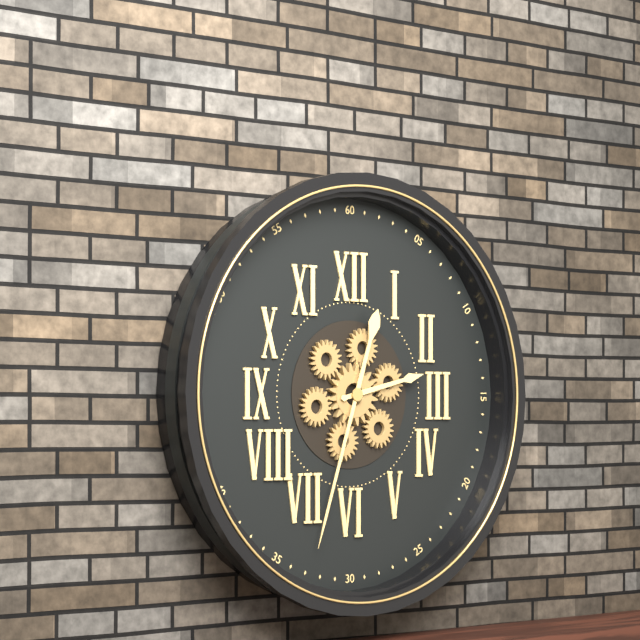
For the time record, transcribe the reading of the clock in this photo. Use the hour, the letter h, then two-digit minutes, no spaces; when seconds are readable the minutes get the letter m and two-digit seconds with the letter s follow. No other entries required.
2h33
